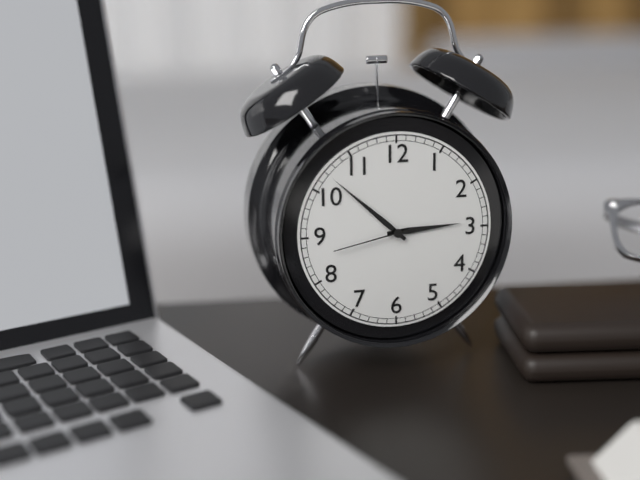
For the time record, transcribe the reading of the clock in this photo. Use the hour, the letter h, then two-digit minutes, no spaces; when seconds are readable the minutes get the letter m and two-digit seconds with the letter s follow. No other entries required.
2h52m43s
